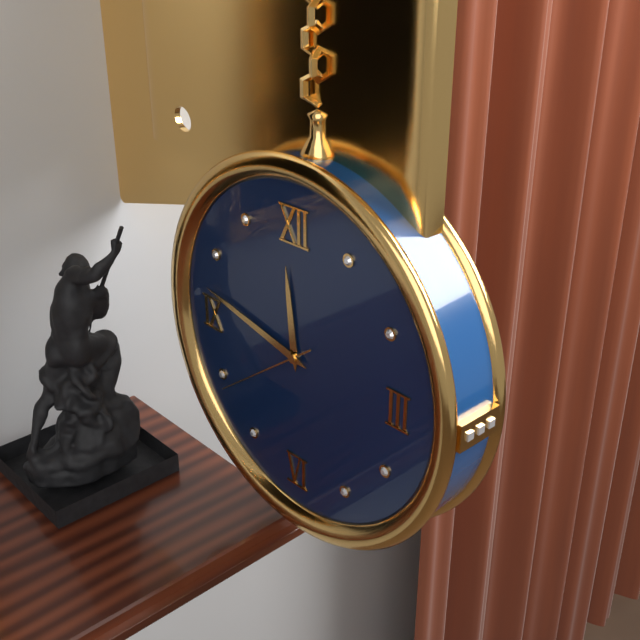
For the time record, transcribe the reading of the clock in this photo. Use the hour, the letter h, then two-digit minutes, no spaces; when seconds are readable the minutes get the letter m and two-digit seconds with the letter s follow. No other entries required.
11h47m39s
